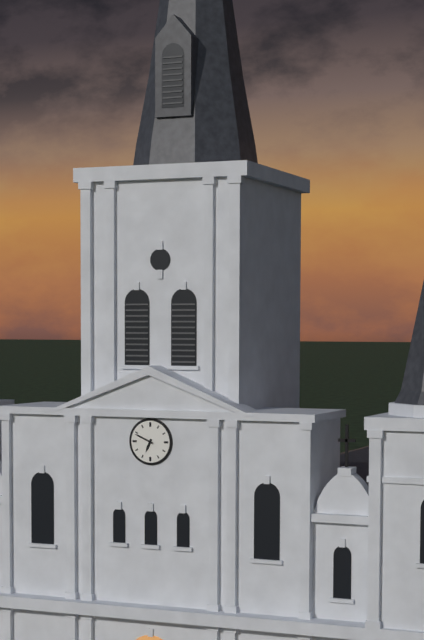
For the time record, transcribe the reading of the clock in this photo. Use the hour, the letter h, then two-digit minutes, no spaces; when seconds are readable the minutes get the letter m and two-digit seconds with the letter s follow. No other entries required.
6h49
